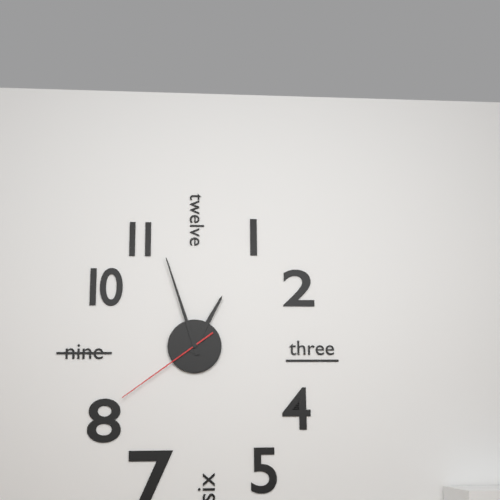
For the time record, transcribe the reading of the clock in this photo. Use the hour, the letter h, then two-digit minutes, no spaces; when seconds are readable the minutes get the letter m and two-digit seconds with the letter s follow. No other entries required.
12h57m39s
